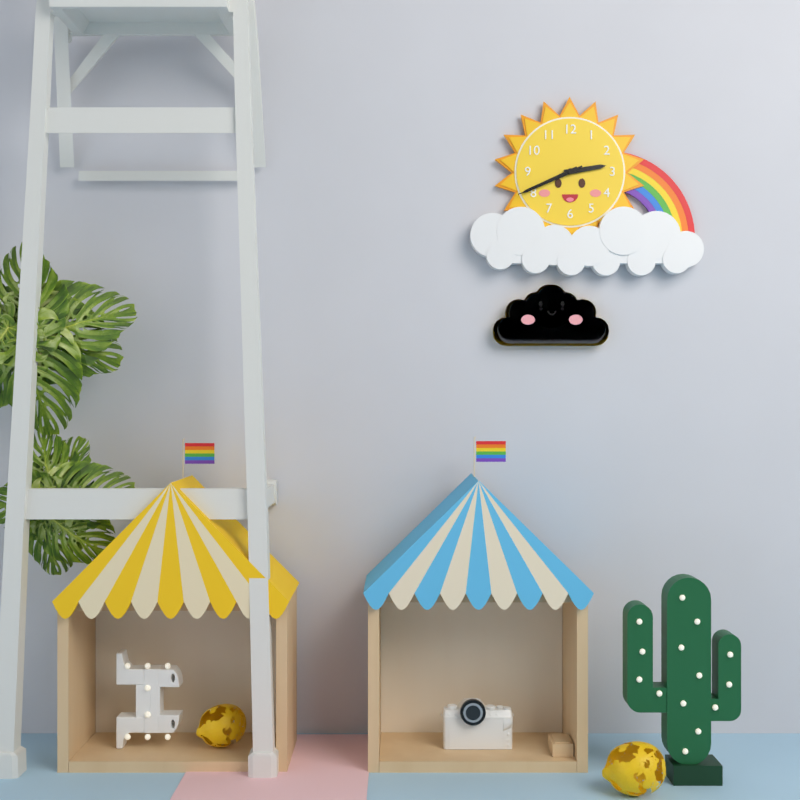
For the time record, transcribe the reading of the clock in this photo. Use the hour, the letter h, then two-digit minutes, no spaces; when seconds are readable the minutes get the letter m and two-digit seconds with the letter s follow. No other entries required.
2h41m41s
